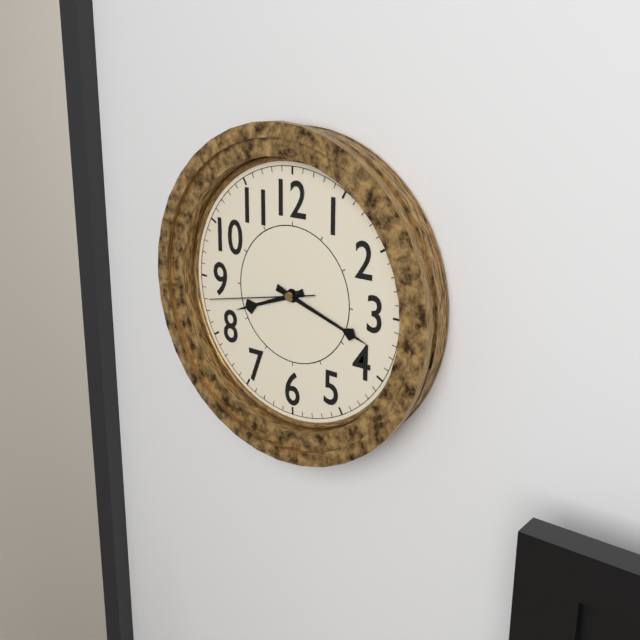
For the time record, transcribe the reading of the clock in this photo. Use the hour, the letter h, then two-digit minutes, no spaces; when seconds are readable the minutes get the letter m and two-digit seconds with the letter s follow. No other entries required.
8h18m43s
